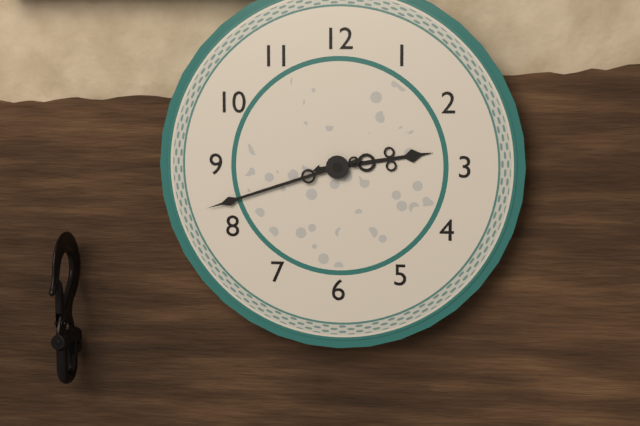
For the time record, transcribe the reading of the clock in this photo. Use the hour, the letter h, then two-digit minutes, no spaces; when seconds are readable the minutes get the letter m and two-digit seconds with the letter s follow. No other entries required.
2h42
